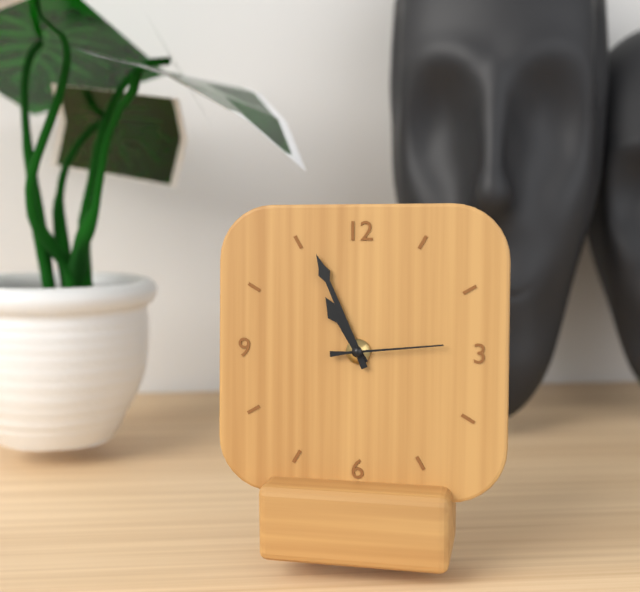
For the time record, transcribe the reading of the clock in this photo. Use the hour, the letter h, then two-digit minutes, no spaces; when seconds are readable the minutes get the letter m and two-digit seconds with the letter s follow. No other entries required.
10h56m14s
